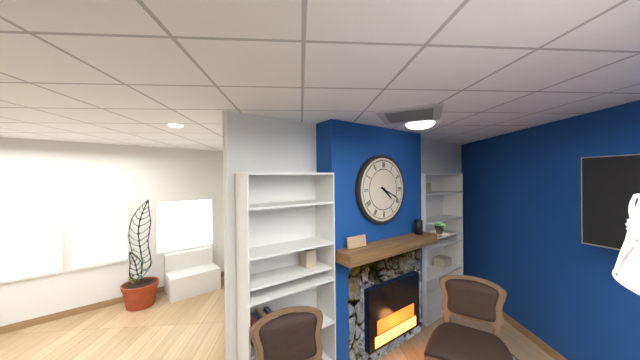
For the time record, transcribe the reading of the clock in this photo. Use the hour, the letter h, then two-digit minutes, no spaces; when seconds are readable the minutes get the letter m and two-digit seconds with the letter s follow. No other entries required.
4h19
